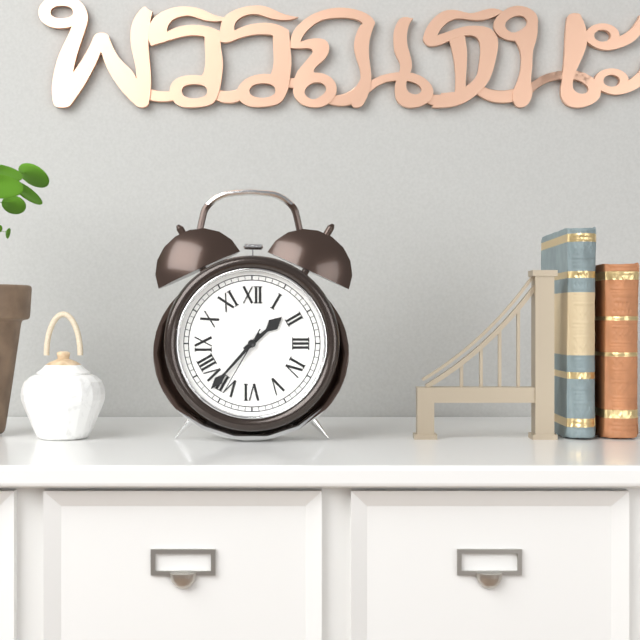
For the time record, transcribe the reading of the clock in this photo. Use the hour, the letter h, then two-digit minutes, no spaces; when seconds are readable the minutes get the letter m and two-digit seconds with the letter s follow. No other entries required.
1h37m35s
